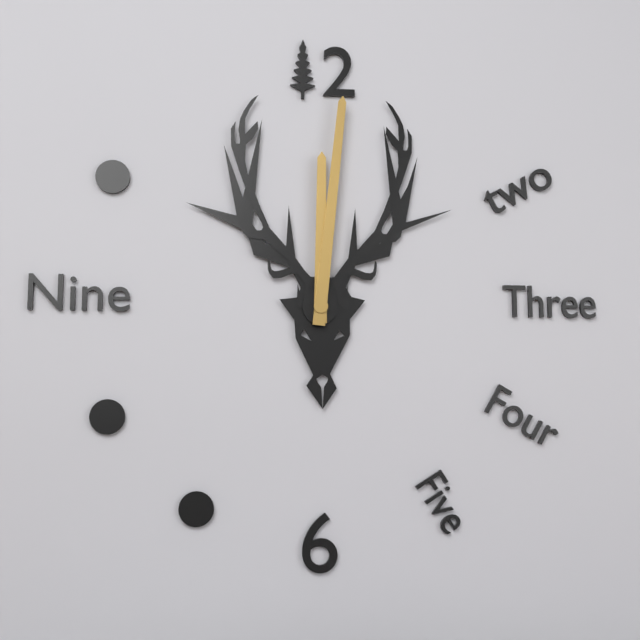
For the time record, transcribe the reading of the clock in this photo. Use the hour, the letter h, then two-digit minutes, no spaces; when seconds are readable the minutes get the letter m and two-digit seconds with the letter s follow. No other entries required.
12h01
